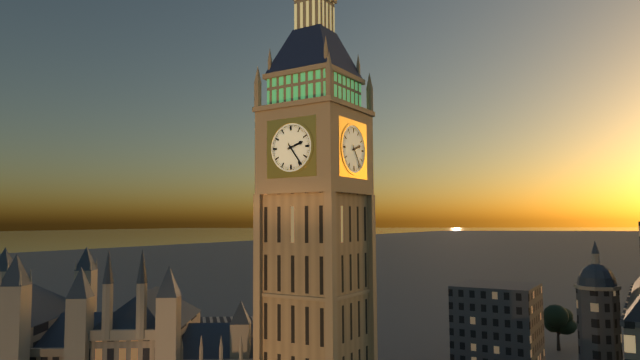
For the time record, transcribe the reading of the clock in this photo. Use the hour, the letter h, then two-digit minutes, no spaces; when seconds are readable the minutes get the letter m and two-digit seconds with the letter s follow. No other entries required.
2h24
